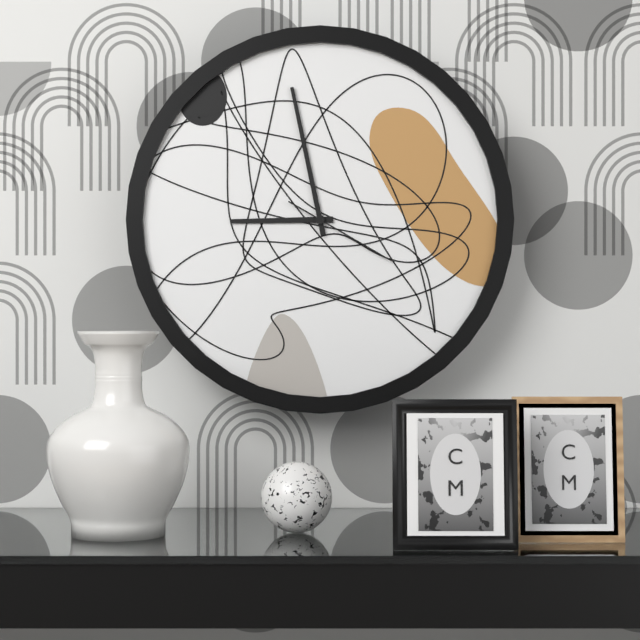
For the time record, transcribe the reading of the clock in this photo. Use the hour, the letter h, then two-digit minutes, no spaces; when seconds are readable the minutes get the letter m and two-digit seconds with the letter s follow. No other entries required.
8h58m20s
